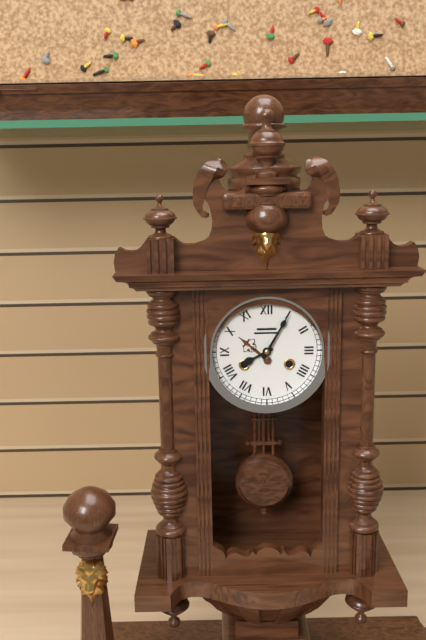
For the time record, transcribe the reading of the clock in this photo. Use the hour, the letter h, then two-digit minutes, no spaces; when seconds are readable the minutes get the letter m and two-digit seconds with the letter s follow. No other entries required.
8h05
